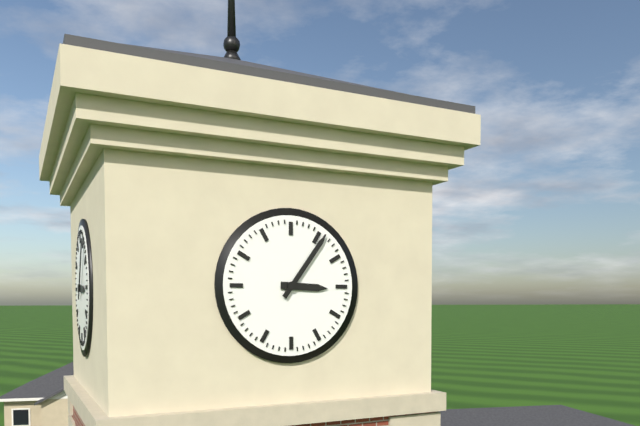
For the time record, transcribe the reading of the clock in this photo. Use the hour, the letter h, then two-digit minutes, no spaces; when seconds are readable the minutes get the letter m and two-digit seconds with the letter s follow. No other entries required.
3h06
